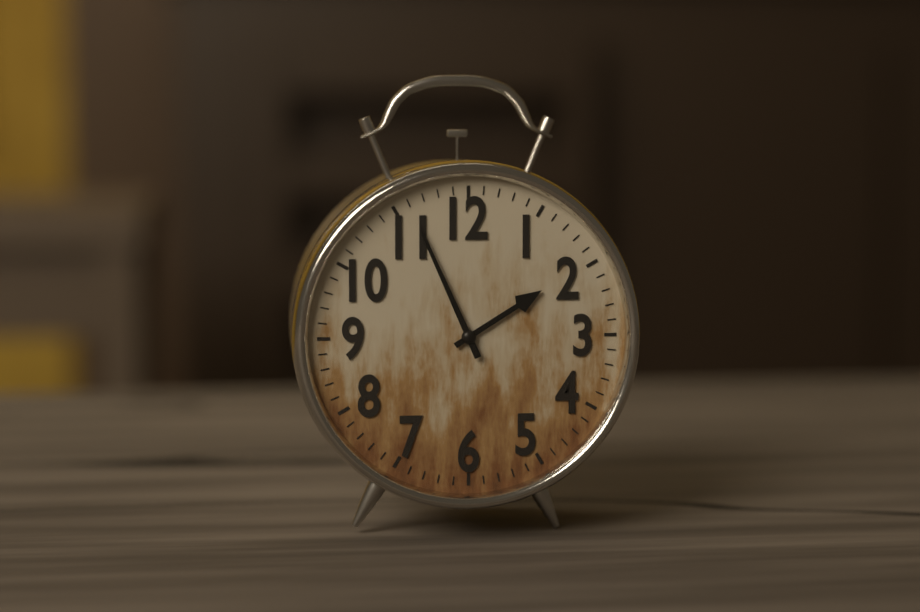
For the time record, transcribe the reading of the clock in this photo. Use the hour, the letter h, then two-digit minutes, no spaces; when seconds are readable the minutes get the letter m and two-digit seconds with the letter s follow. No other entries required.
1h56
